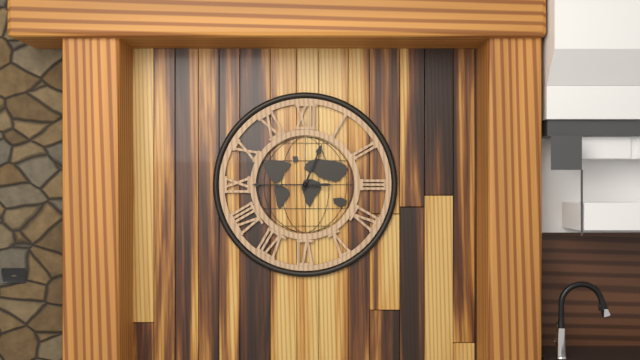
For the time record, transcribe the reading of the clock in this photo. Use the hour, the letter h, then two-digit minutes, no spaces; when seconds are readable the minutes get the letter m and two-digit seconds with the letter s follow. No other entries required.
12h45
